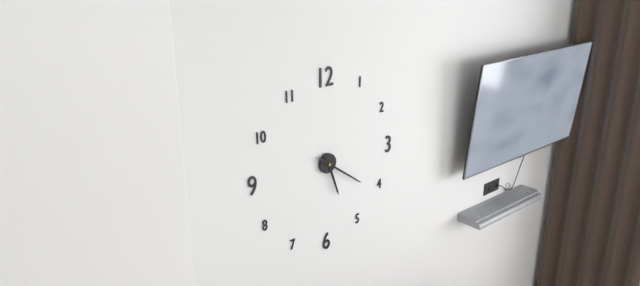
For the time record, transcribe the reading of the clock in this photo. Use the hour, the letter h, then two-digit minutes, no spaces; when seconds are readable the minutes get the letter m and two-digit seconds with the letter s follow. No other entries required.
5h21
